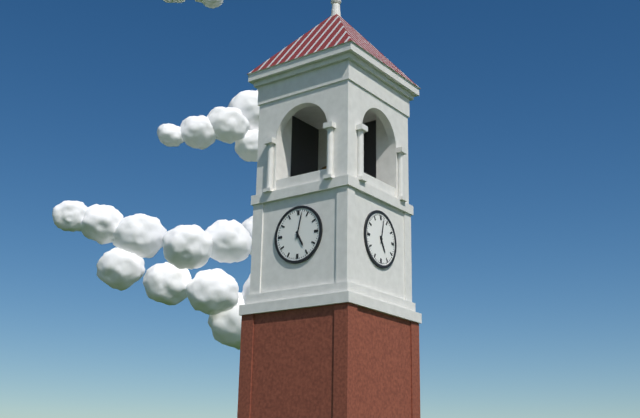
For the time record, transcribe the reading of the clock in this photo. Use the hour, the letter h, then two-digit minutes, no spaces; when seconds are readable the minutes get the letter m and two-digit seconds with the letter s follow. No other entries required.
5h02
